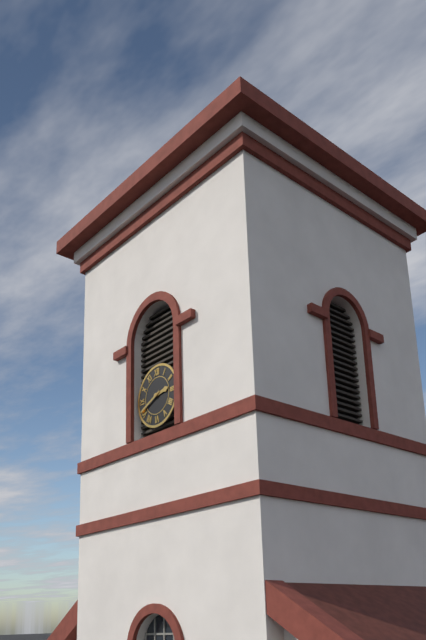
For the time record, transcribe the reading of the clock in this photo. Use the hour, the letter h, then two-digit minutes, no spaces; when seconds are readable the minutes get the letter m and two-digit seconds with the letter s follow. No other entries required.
2h41
